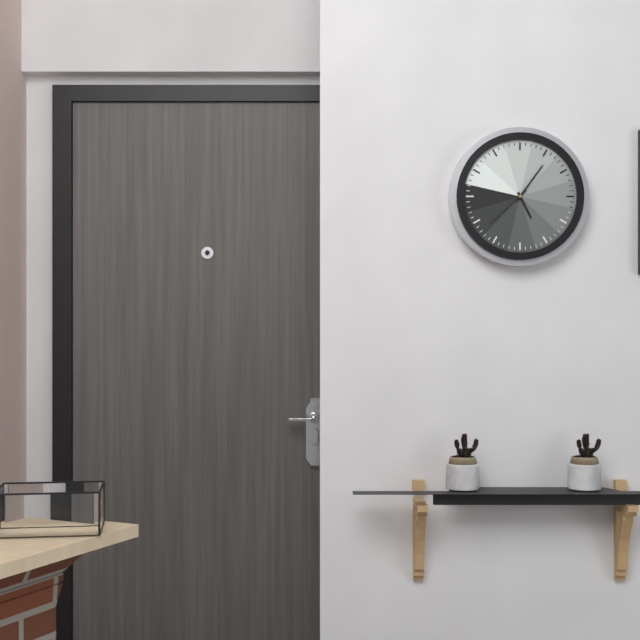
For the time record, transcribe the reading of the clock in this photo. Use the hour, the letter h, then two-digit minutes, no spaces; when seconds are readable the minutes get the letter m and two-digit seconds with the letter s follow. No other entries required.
5h06m38s
